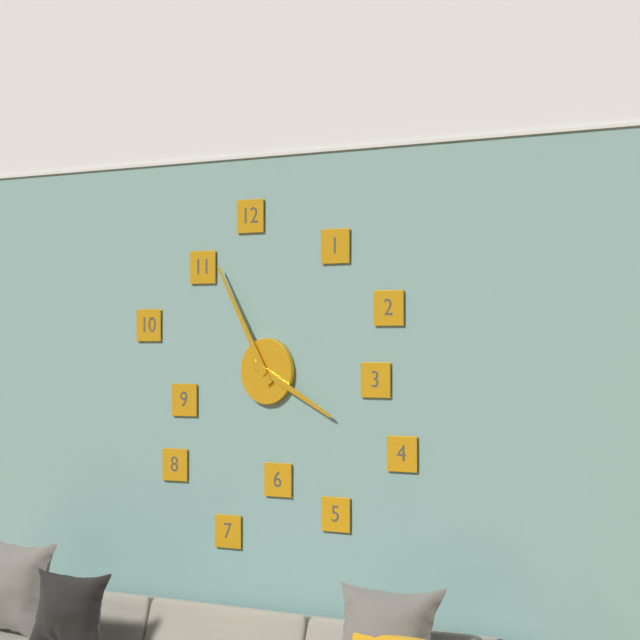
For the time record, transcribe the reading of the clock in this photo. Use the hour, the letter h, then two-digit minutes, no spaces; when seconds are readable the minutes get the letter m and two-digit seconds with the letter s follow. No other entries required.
3h55
